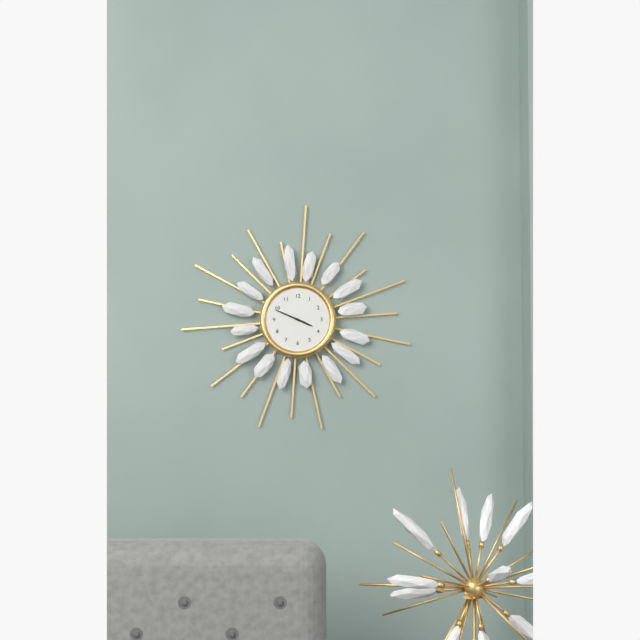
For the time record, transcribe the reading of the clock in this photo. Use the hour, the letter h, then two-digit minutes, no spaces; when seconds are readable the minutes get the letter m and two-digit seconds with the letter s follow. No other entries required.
3h49
